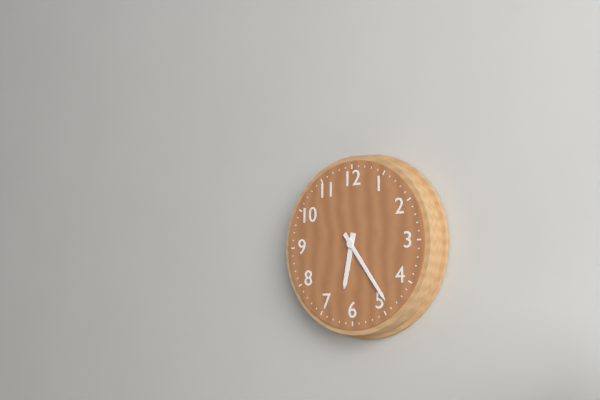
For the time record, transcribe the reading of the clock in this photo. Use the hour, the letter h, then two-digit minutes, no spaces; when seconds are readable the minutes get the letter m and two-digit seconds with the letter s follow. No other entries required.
6h24
